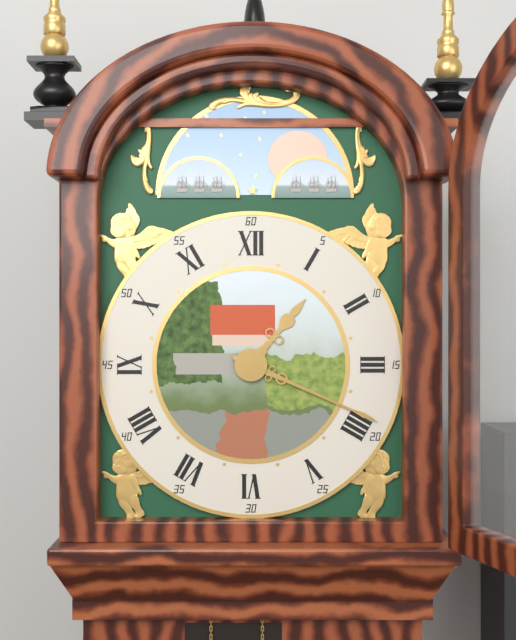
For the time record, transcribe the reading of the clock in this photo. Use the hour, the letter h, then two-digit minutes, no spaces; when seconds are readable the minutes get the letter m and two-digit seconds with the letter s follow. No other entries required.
1h19
